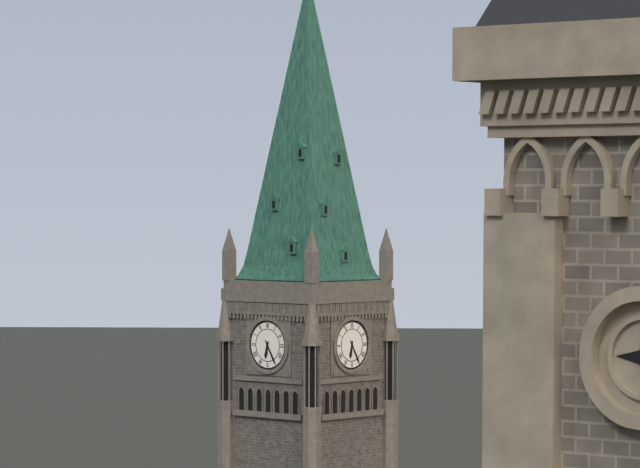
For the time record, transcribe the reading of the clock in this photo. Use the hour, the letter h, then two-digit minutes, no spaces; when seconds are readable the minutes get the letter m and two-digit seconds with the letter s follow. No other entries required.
6h25
